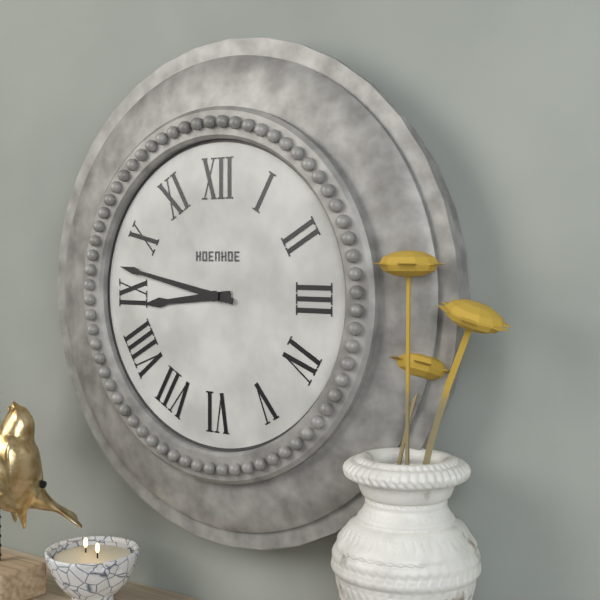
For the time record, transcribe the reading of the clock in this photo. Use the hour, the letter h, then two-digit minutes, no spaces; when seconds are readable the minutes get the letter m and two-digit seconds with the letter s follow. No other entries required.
8h47
